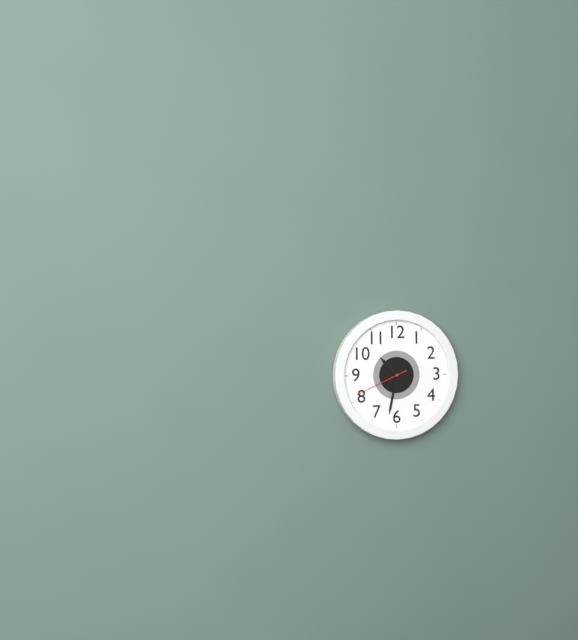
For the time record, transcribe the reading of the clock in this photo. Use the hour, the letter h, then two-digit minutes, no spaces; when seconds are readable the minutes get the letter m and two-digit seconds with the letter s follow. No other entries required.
10h32m41s
